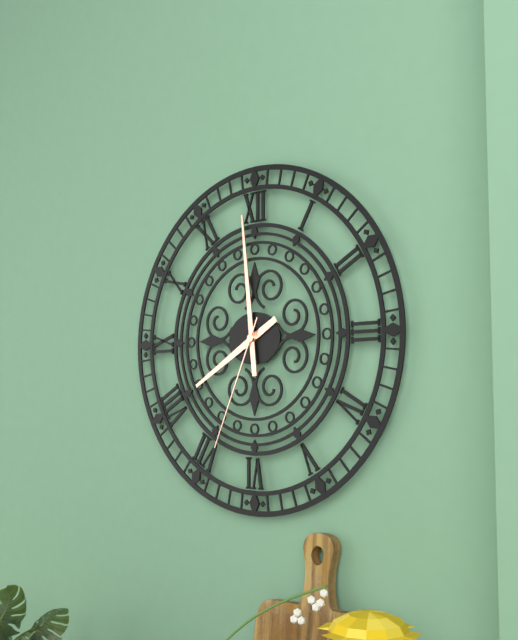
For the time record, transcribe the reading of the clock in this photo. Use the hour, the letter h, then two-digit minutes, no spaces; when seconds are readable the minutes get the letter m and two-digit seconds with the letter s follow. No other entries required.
7h59m34s
